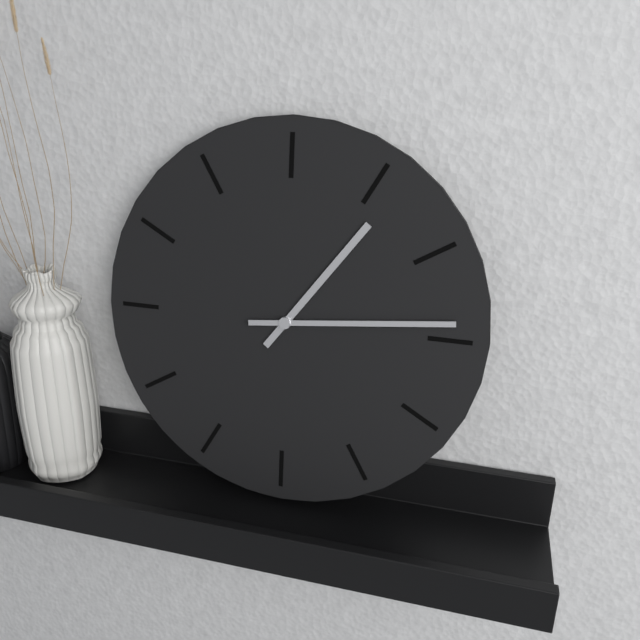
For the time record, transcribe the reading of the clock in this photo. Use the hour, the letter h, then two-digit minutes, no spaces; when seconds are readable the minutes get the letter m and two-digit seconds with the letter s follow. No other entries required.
1h14
